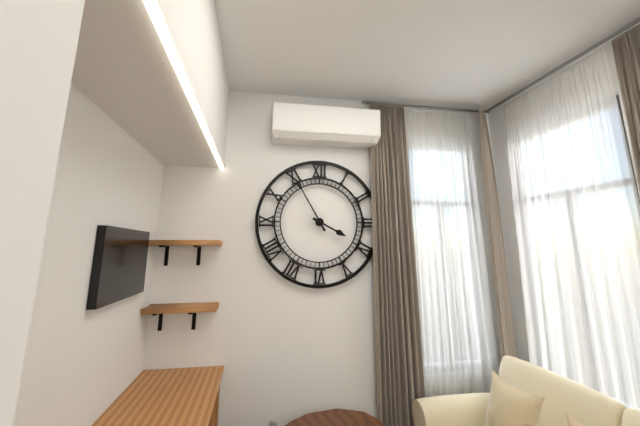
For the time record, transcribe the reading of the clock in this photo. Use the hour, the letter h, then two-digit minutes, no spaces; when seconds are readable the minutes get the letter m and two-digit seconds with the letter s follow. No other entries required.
3h55
